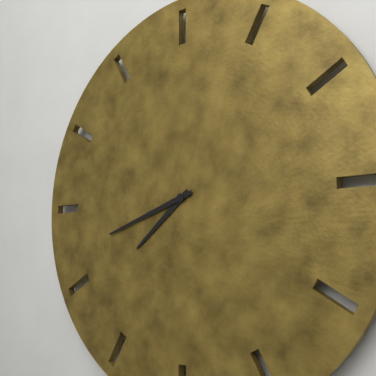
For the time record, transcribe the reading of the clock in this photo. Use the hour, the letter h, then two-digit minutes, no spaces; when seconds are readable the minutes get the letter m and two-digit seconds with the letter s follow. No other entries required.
7h42
